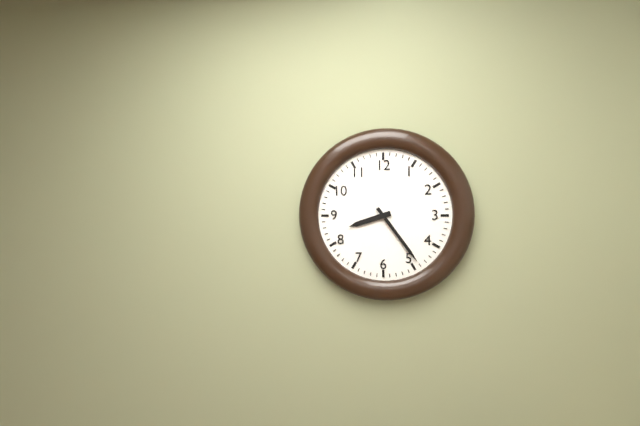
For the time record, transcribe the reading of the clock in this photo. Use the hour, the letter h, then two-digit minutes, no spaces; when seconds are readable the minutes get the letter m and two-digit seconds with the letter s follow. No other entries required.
8h24
